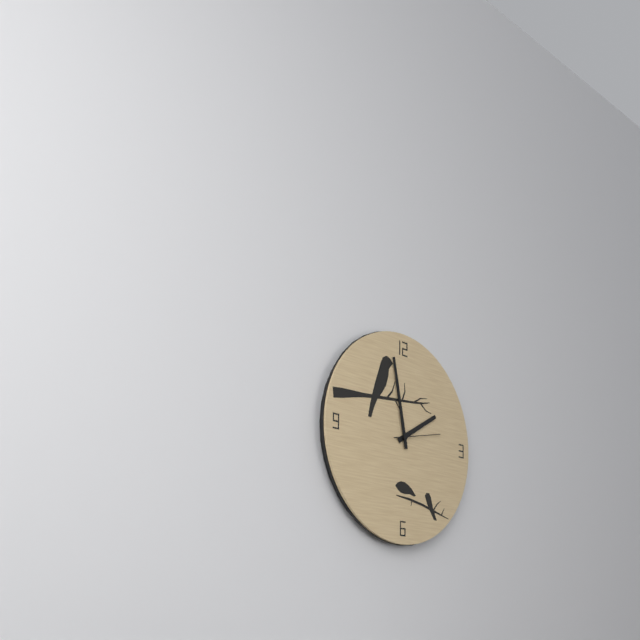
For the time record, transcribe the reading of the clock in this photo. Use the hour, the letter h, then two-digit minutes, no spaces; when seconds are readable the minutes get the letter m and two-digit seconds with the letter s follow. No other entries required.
1h58
